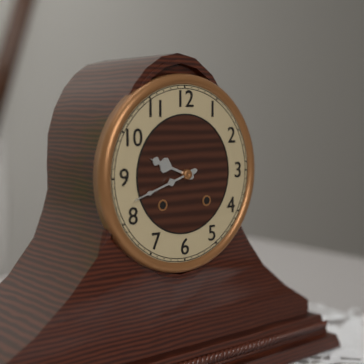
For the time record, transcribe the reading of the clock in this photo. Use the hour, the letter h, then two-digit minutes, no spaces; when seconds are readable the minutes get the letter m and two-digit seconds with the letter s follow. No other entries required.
9h42
